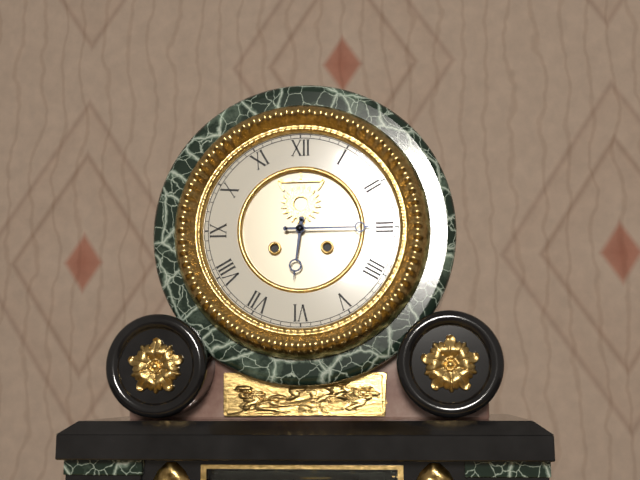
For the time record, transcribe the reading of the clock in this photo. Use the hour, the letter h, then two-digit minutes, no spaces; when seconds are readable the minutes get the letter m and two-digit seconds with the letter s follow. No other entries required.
6h15
